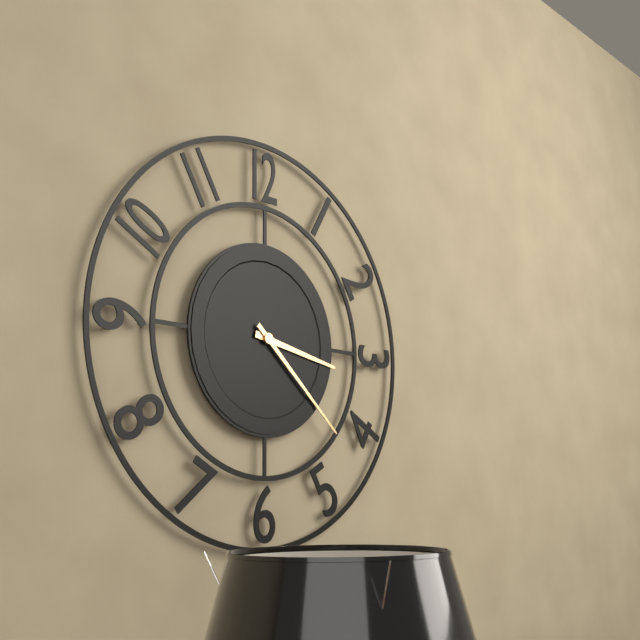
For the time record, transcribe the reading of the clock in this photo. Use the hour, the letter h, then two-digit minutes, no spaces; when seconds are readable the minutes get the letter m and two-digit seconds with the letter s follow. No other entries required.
3h22
